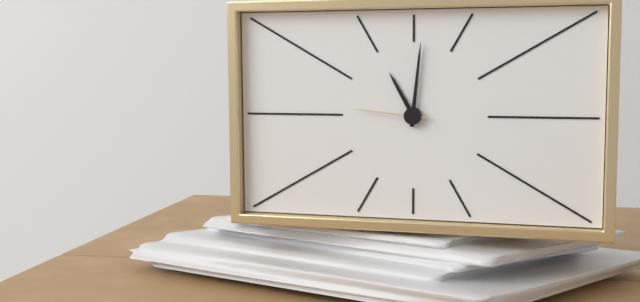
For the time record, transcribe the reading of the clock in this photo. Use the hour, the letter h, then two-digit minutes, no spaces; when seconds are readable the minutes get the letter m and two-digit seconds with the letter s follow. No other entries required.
11h01m46s
